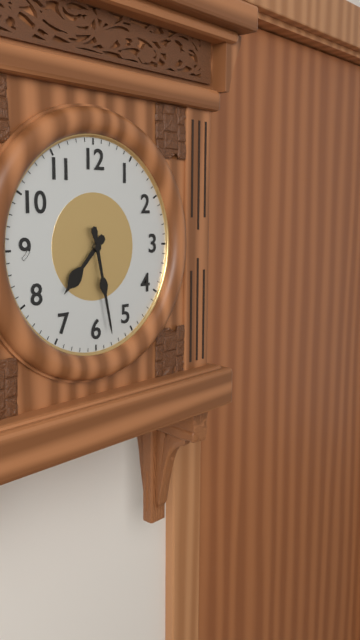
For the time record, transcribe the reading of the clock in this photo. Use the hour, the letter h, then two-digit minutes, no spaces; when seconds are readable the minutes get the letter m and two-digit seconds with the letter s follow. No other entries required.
7h28
